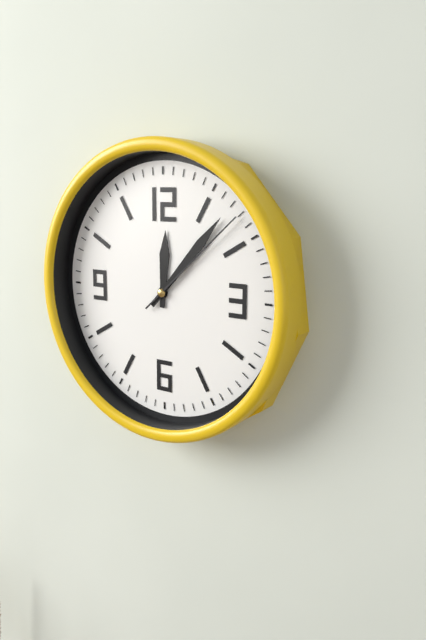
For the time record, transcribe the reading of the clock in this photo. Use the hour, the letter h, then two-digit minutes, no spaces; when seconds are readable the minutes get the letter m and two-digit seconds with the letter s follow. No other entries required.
12h07m08s
